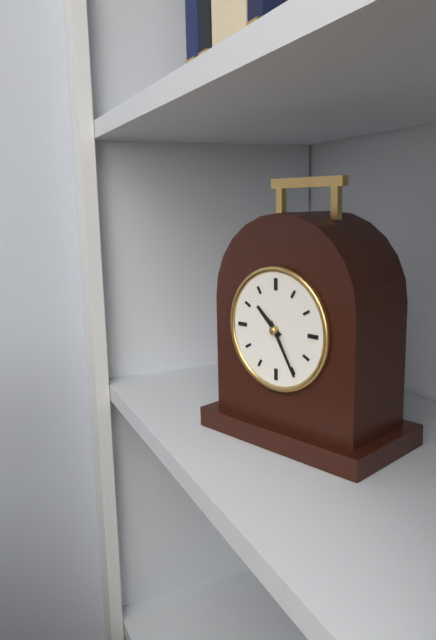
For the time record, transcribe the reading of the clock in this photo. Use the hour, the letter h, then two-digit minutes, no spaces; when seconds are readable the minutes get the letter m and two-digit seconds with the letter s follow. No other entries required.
10h25
